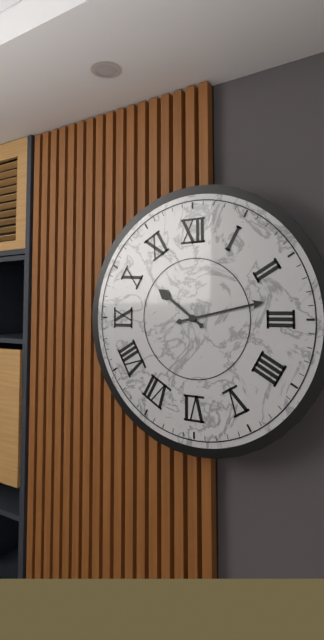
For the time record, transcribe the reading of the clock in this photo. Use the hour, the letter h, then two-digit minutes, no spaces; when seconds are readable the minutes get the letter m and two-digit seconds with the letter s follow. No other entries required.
10h13
